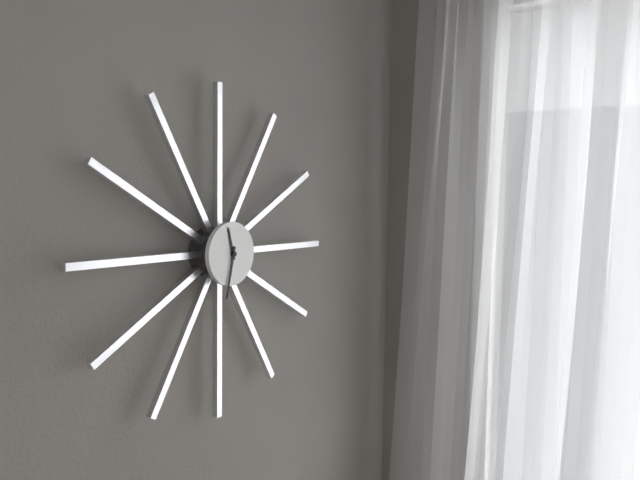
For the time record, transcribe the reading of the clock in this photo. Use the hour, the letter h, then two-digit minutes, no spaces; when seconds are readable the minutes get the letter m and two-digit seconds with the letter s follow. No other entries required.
11h32
